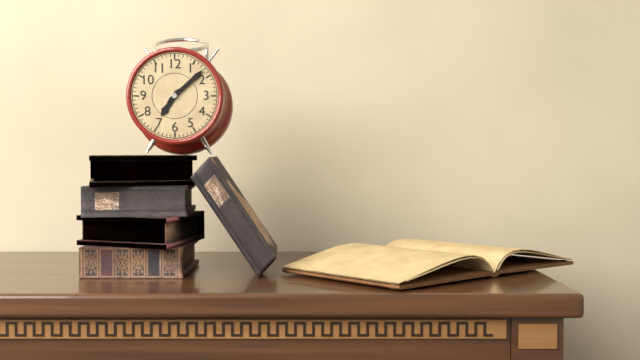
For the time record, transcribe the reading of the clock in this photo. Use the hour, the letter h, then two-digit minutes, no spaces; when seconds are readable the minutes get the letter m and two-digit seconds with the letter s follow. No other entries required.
7h08
